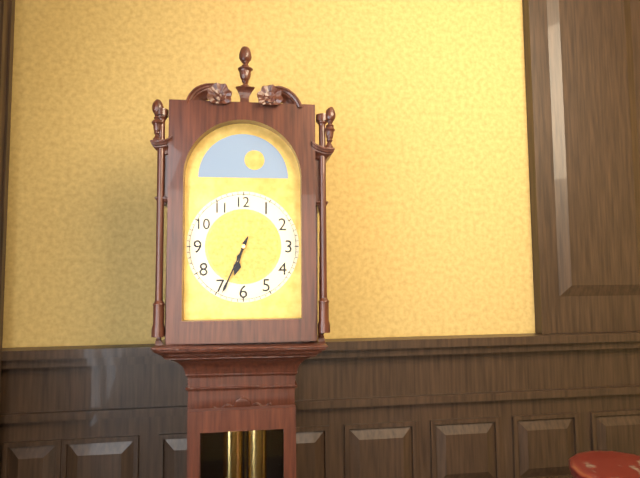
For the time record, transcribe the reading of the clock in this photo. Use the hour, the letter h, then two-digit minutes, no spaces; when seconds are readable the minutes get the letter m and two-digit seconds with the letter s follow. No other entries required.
6h34
